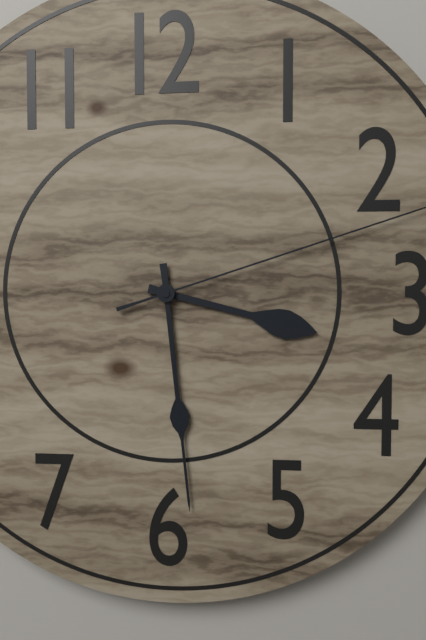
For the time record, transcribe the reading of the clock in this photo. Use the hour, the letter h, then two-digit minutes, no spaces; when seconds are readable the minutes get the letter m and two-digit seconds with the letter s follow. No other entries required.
3h29
